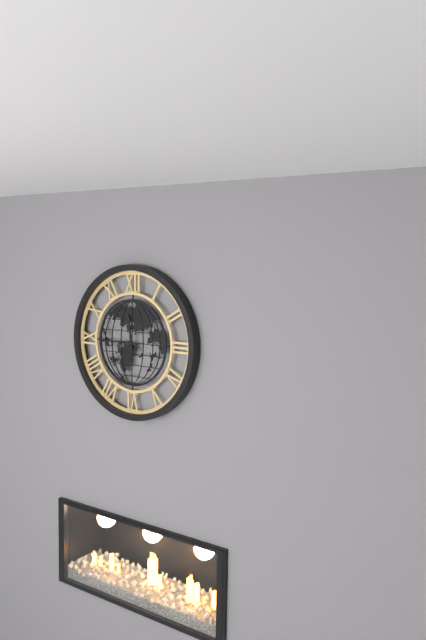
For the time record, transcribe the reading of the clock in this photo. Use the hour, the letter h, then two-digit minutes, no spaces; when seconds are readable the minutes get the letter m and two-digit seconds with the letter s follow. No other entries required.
11h45
